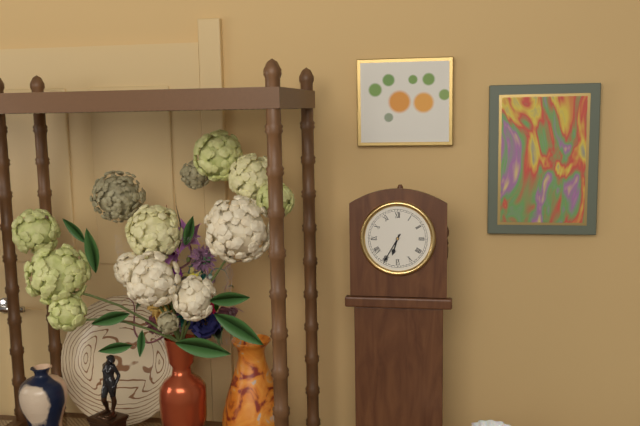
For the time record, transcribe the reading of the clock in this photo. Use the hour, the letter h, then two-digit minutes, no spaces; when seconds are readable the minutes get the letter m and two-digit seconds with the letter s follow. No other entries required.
6h35
